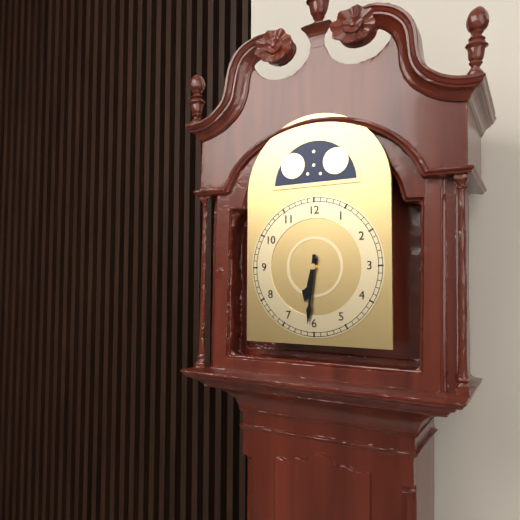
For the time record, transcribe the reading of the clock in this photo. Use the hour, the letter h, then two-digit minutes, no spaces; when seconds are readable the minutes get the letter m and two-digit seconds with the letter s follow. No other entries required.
6h31
